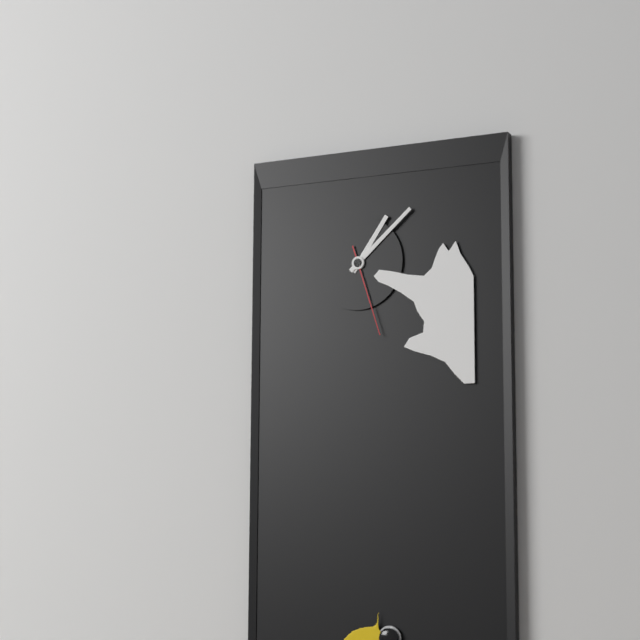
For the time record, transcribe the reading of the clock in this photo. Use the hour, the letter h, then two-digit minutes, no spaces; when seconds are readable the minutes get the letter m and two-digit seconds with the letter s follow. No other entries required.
1h08m27s
